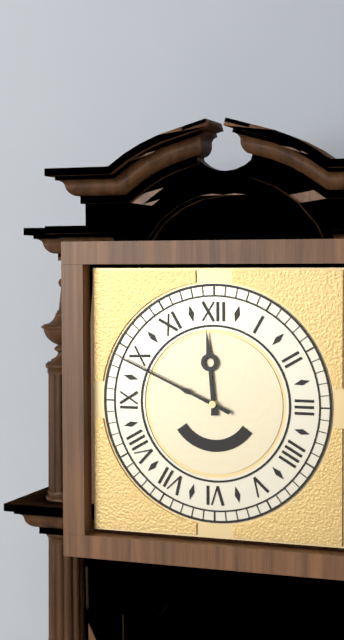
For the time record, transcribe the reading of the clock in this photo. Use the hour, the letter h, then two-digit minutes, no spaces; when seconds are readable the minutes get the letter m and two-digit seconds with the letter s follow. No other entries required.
11h49
